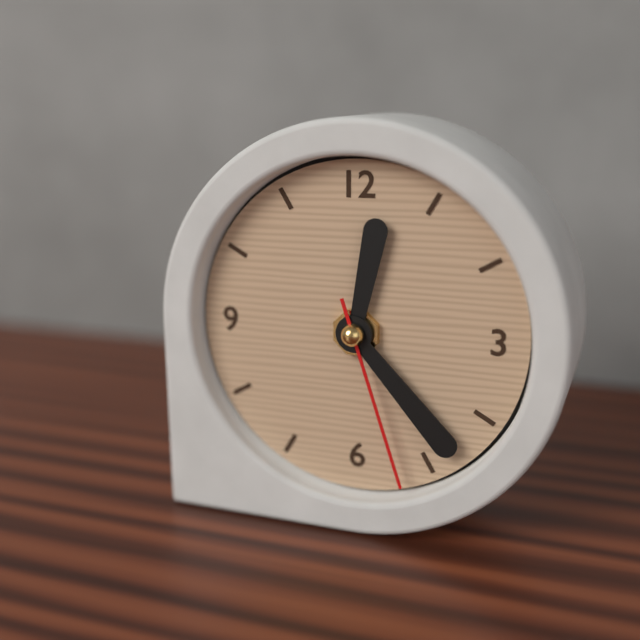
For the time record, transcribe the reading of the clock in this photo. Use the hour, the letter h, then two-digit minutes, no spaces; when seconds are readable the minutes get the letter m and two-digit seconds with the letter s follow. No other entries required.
12h23m27s
